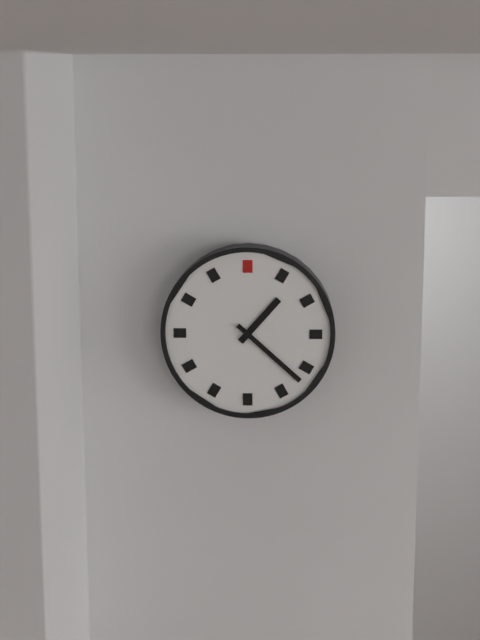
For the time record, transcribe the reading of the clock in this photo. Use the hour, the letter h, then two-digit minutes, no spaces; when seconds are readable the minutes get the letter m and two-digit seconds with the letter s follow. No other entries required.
1h22
